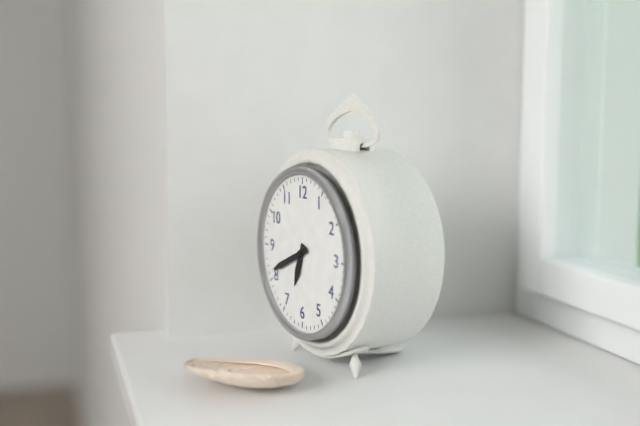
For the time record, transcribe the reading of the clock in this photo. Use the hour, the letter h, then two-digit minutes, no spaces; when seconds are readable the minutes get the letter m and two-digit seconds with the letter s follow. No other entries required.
6h41
